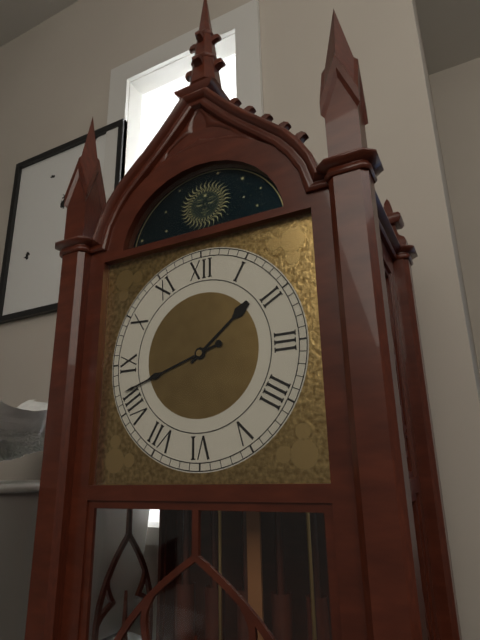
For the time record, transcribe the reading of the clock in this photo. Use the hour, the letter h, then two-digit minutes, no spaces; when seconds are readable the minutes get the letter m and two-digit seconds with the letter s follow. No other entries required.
1h42
